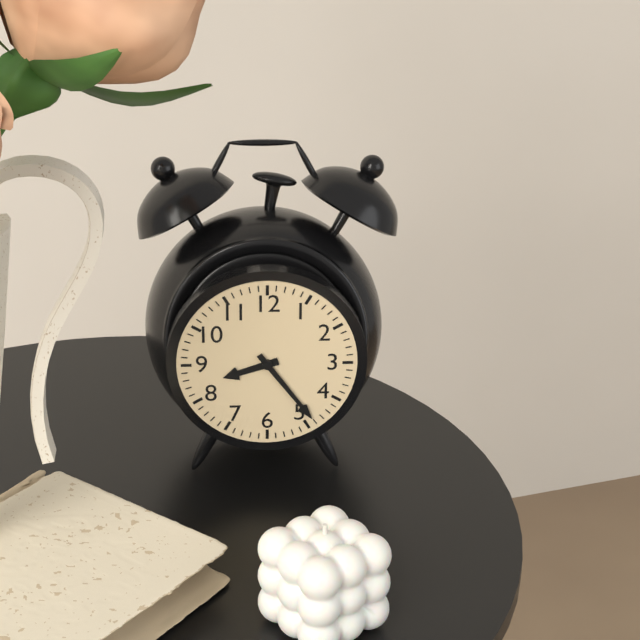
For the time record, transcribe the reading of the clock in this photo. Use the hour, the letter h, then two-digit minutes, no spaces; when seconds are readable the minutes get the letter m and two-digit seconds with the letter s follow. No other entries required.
8h24
